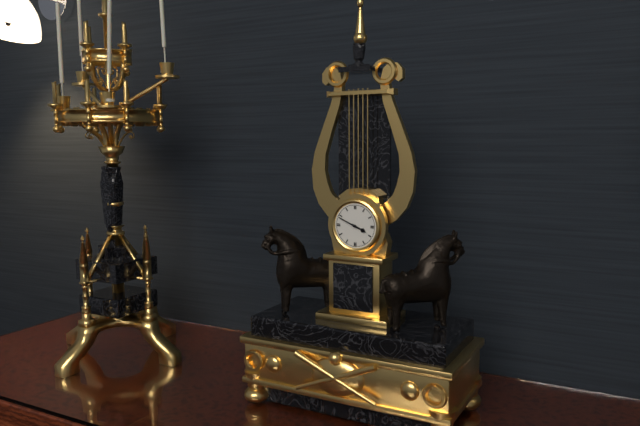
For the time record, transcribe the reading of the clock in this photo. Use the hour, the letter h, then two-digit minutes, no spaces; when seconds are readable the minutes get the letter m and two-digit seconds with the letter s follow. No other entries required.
3h49
